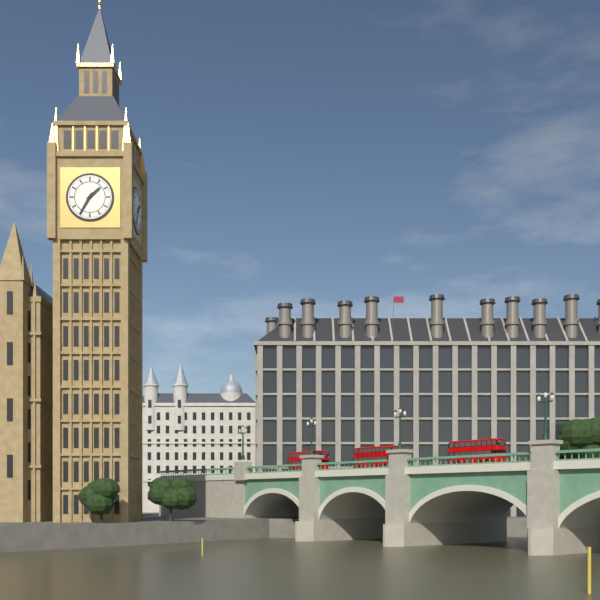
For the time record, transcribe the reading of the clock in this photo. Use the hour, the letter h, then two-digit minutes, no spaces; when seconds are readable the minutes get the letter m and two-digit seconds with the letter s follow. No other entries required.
1h35
